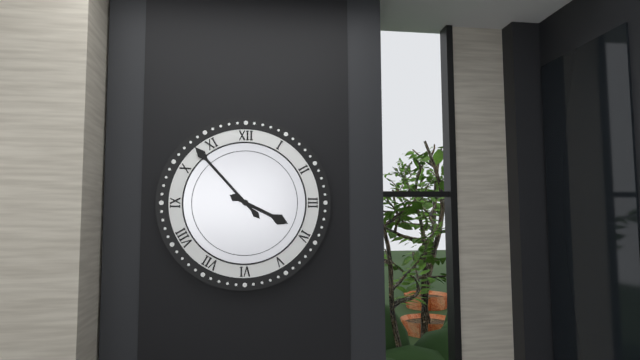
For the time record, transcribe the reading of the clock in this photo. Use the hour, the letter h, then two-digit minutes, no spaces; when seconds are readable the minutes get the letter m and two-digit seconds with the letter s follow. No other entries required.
3h53
